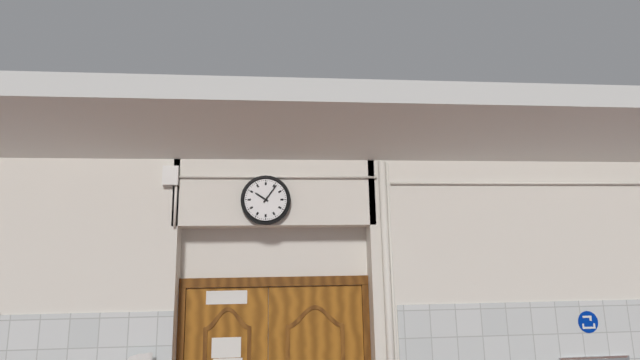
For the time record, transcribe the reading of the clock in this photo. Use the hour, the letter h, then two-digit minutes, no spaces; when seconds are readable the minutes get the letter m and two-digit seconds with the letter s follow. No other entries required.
10h06
